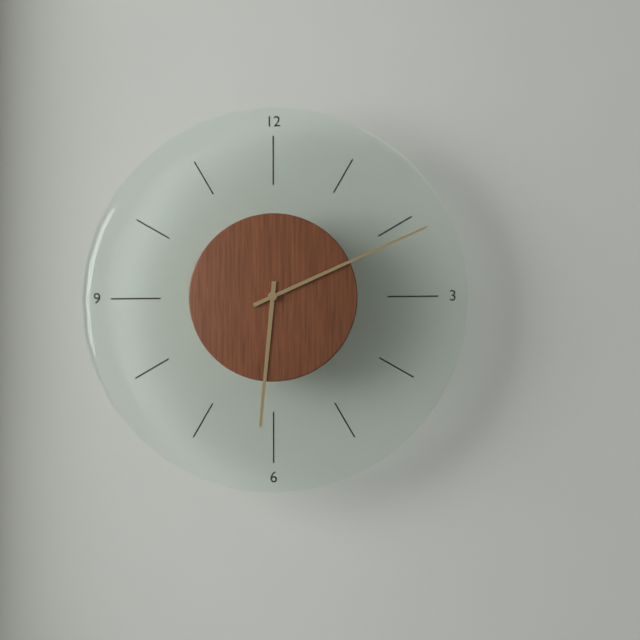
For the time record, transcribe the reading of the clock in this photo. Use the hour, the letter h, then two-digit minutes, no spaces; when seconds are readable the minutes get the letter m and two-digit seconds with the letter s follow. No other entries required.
6h11
